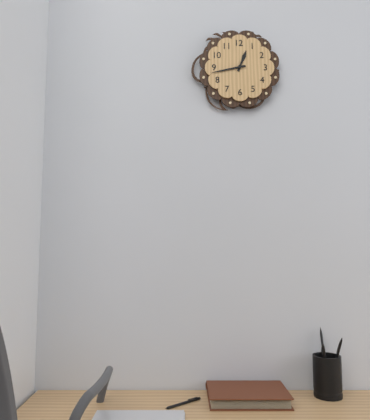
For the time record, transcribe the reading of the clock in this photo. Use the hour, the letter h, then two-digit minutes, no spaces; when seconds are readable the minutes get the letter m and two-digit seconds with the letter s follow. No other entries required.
12h43
